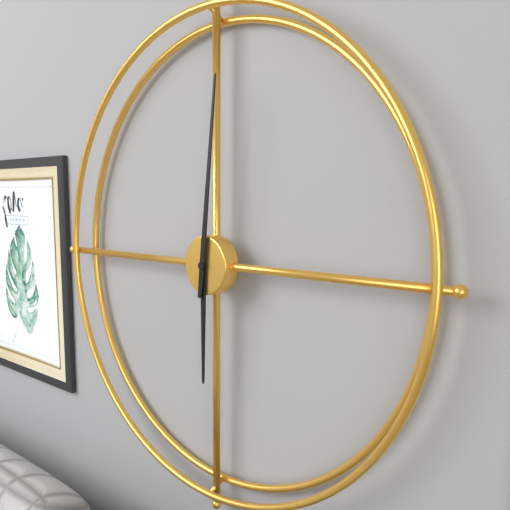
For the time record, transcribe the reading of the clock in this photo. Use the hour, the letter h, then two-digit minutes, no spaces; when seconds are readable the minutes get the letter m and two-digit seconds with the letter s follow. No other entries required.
6h01
